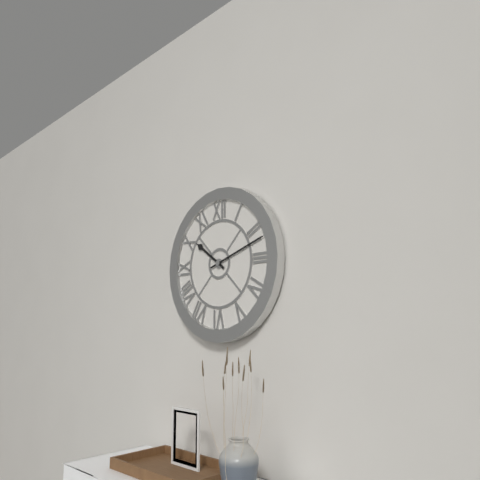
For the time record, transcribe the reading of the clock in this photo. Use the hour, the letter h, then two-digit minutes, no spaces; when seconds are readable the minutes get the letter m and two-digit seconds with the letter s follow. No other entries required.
10h12
